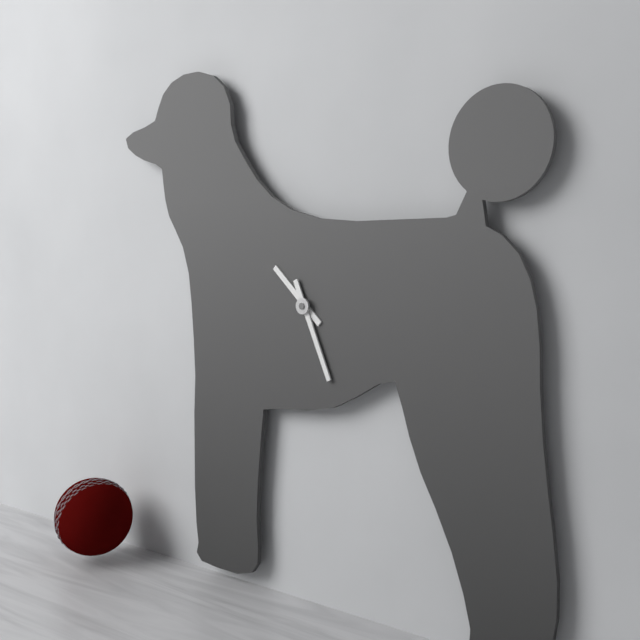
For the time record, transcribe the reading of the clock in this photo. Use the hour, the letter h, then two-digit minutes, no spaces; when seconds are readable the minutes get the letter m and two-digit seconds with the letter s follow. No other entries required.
10h26
